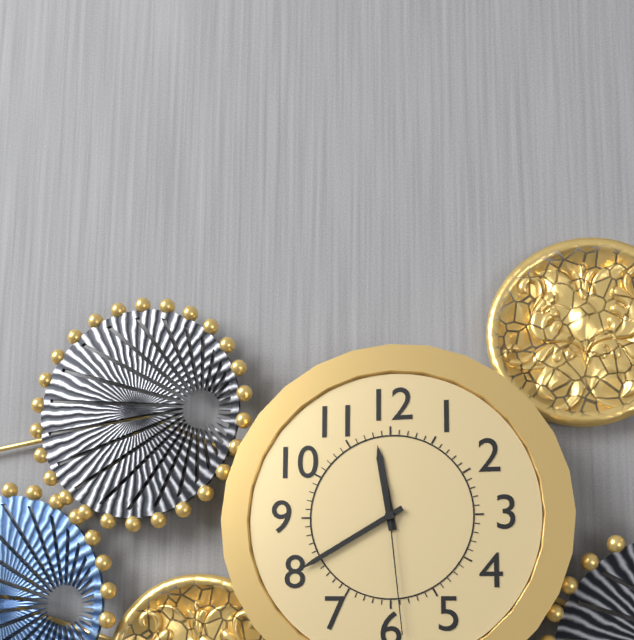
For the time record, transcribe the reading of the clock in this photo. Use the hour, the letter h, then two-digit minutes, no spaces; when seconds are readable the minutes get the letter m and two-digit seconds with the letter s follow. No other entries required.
11h40m29s
